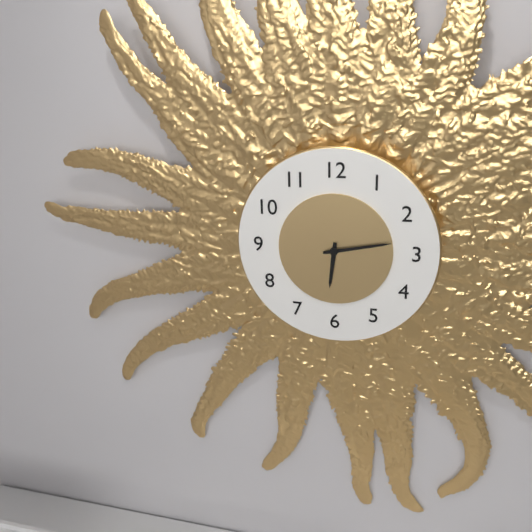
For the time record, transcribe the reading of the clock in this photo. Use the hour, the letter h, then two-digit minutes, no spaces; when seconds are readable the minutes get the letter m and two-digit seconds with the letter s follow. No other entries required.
6h13
